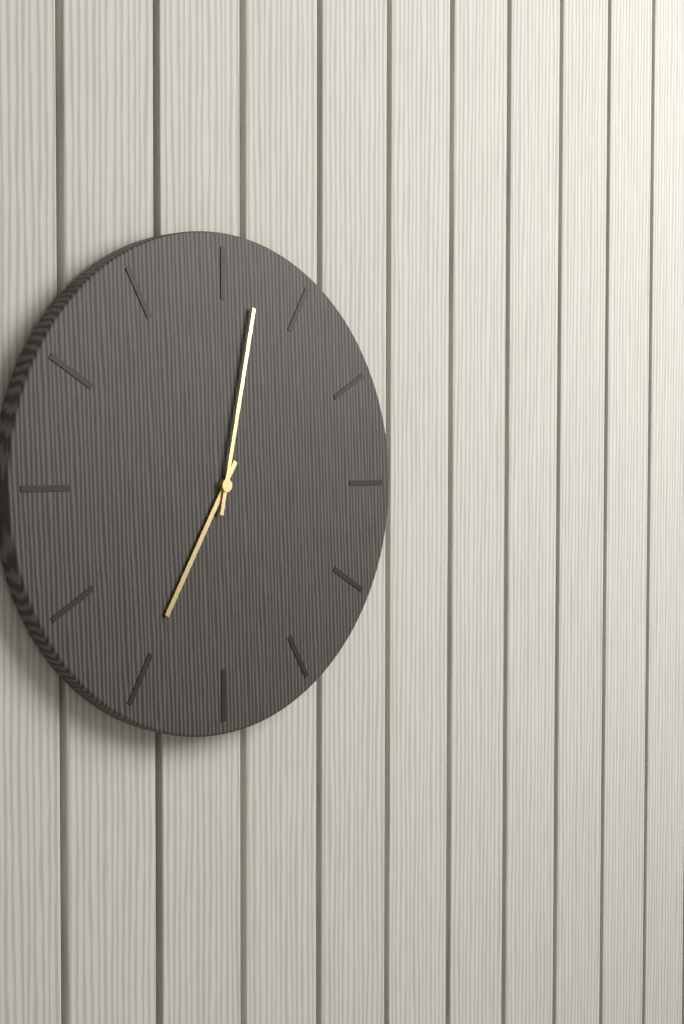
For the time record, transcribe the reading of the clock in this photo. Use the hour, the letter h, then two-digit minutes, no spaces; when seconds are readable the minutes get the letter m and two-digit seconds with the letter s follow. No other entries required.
7h02
